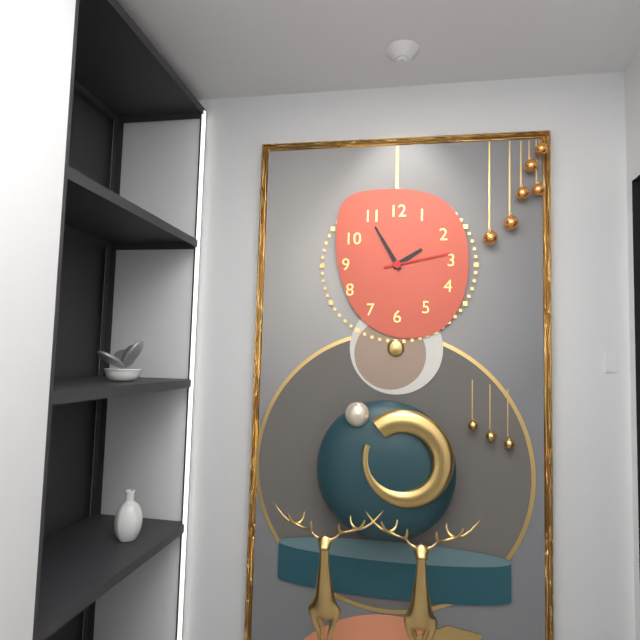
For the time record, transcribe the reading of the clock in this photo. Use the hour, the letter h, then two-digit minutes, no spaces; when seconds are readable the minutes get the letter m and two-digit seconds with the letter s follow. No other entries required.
1h55m13s
